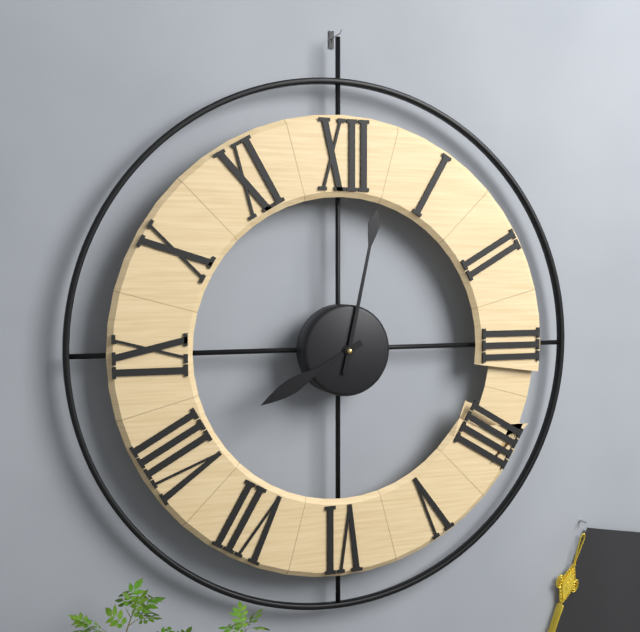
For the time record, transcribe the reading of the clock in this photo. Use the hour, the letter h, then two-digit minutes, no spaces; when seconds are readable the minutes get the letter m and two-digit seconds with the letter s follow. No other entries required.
8h02
